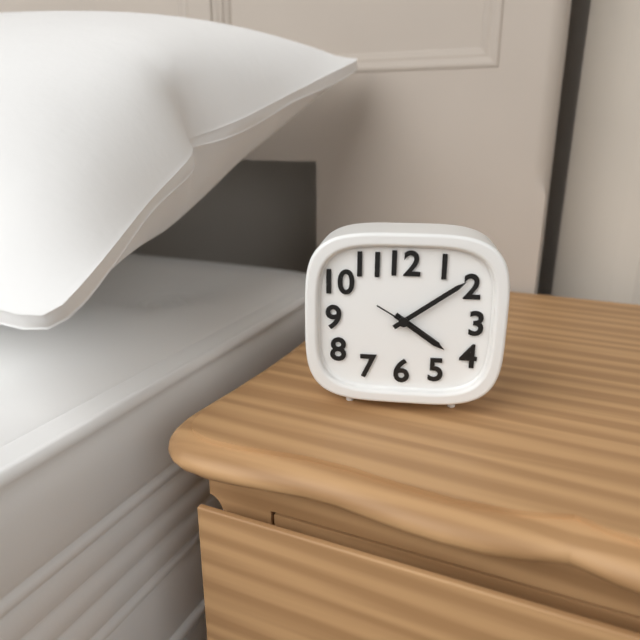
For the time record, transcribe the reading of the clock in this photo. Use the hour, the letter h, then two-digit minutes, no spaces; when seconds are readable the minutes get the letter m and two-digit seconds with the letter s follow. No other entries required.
4h09m20s
